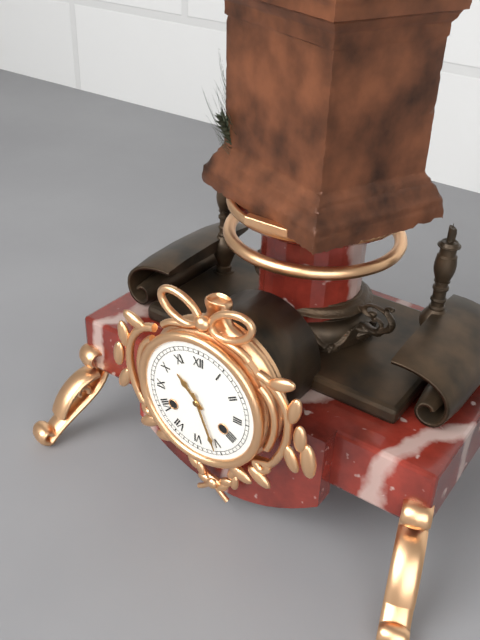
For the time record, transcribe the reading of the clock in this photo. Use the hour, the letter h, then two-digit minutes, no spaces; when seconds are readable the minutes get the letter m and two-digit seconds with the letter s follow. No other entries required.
10h26
